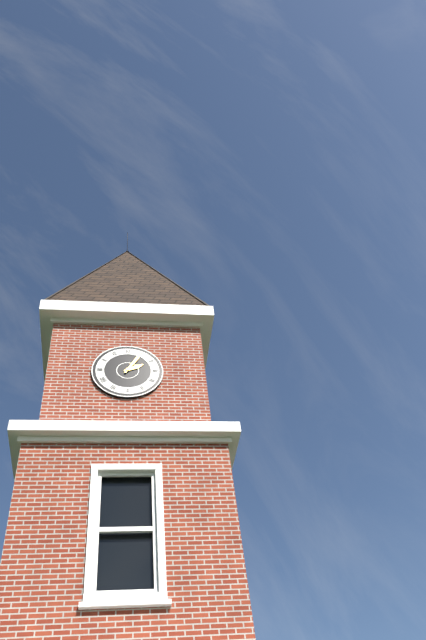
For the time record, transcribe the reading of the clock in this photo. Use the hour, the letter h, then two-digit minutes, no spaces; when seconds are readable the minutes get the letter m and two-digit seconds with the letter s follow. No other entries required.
2h05
